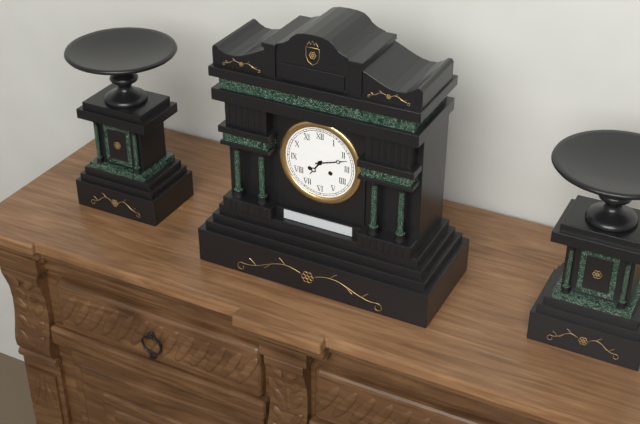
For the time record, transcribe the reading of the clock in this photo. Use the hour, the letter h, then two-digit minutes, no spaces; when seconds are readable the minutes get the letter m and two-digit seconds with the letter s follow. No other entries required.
7h12
